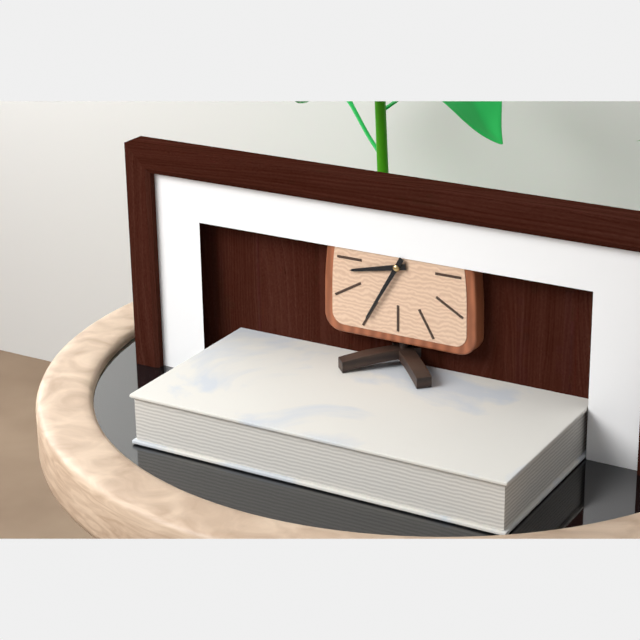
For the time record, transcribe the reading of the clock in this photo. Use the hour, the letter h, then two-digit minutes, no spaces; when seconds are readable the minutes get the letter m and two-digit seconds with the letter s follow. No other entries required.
8h35
